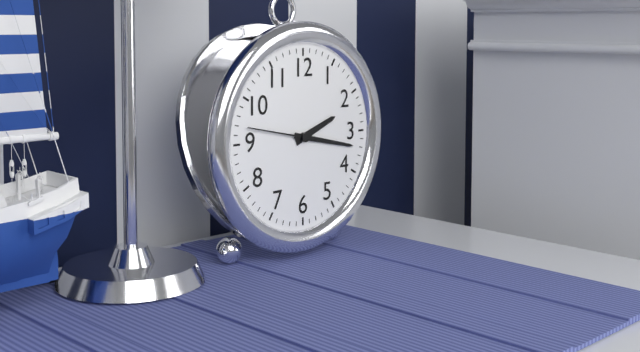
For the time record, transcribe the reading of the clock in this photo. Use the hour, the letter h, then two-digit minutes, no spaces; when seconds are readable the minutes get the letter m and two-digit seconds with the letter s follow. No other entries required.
2h17m47s
